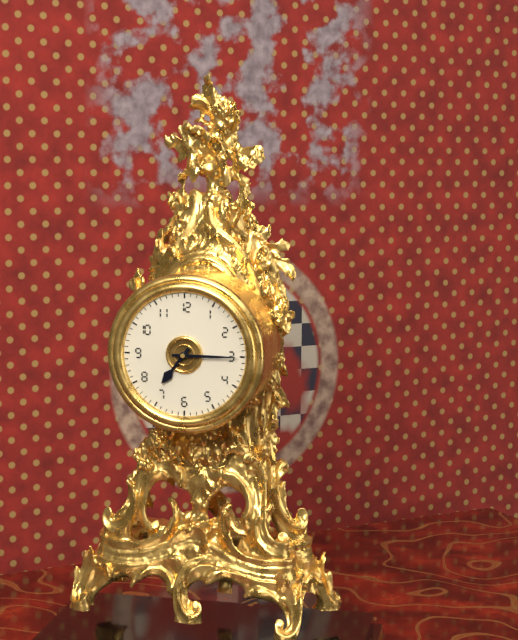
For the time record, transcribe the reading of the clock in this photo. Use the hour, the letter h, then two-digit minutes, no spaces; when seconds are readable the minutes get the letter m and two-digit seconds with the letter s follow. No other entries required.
7h15
